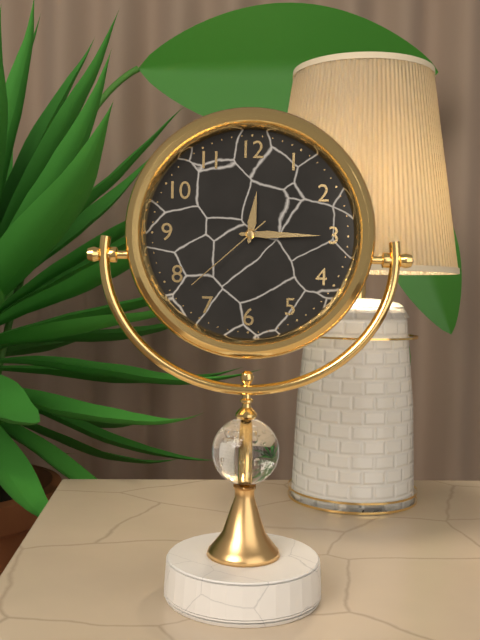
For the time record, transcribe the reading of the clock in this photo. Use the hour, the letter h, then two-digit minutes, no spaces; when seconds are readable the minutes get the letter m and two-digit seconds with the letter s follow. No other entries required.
12h15m38s
